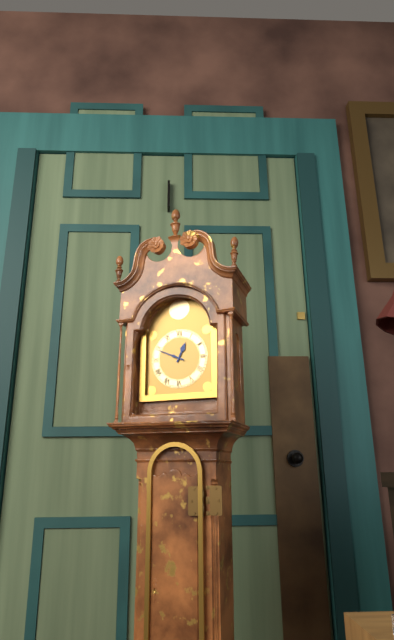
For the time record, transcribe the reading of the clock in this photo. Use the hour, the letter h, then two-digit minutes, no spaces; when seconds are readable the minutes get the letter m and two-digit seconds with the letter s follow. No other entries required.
12h49
